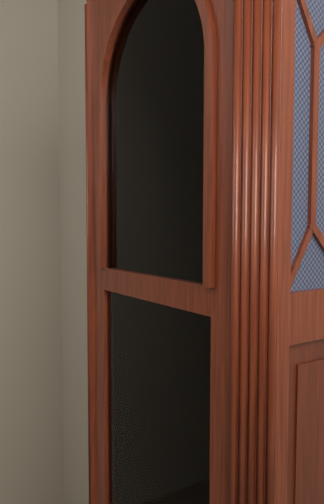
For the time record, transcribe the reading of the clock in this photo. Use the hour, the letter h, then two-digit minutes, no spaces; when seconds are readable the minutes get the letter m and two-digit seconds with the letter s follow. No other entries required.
2h19
